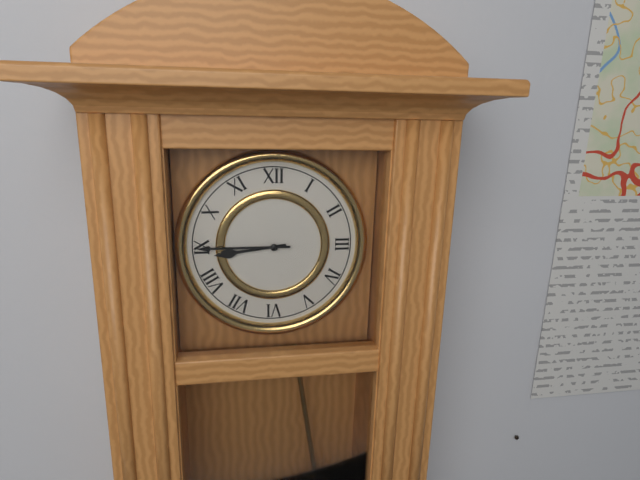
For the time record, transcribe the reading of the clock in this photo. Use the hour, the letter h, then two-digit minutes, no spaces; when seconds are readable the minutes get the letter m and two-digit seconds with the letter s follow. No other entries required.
8h45
